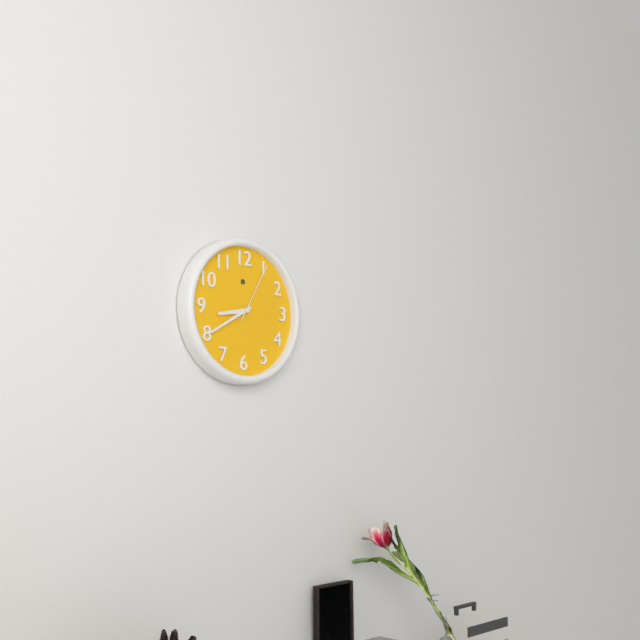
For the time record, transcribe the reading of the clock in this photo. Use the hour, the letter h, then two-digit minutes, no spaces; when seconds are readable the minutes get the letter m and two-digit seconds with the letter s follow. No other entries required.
8h40m05s
